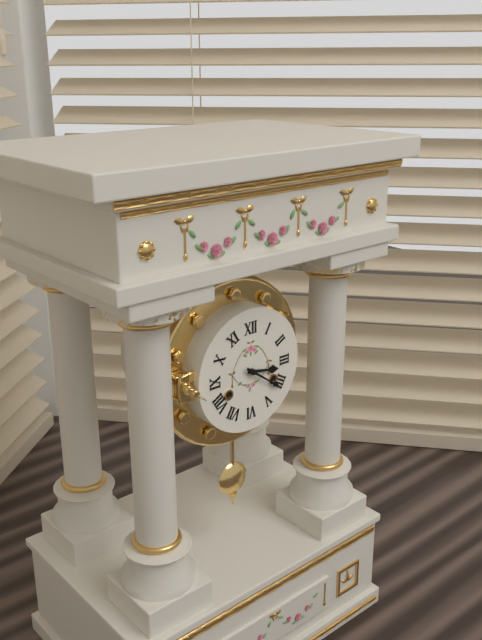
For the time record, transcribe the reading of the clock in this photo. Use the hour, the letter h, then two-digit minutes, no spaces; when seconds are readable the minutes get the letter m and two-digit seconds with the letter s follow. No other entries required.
3h21
